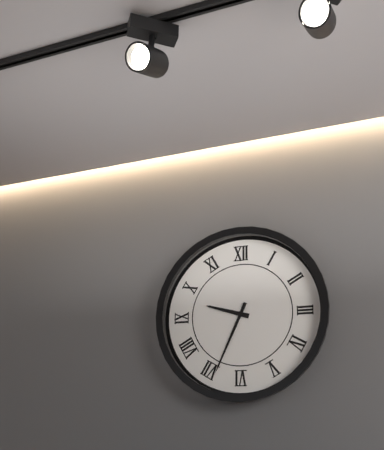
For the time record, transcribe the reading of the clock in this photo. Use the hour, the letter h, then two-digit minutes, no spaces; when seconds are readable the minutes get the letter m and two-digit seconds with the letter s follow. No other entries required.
9h34
